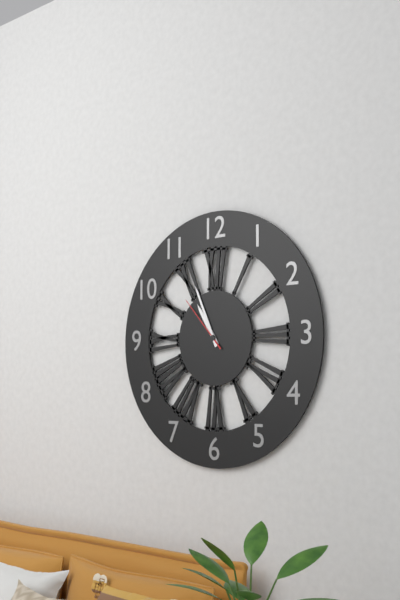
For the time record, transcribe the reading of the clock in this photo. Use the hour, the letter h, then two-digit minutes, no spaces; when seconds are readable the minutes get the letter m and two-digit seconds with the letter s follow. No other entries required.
10h56m53s
